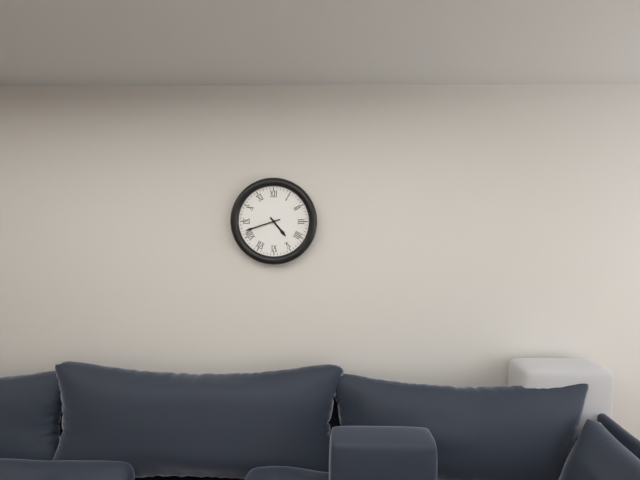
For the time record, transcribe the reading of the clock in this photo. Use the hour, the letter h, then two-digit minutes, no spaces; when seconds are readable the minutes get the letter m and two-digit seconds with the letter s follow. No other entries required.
4h42
